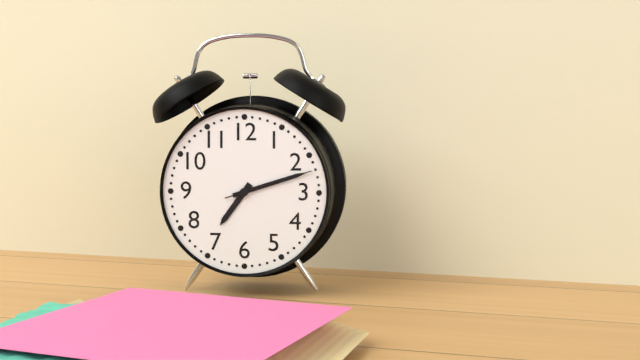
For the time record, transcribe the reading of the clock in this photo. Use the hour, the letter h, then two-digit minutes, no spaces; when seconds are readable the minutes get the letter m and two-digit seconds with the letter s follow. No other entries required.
7h12m12s
